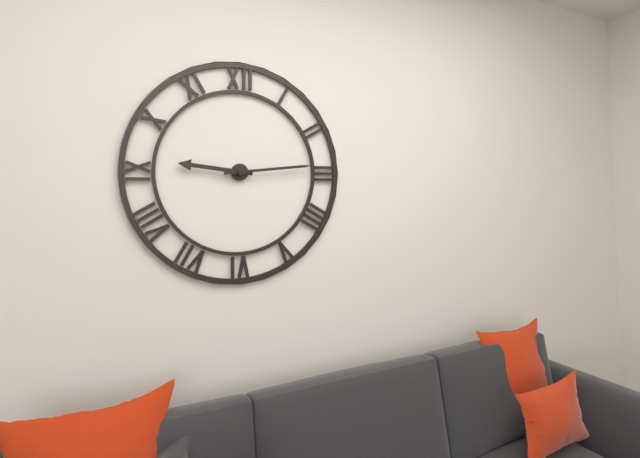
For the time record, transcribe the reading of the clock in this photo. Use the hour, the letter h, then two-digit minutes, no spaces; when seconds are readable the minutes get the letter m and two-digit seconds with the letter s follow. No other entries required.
9h14
